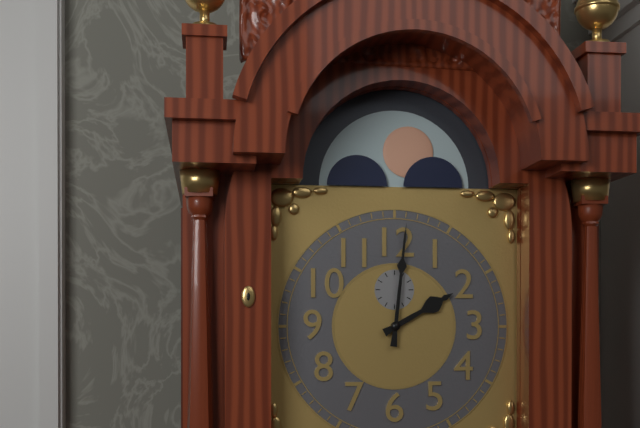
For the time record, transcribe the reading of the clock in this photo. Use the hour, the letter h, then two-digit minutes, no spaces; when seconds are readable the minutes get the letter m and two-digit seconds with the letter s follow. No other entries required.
2h01
